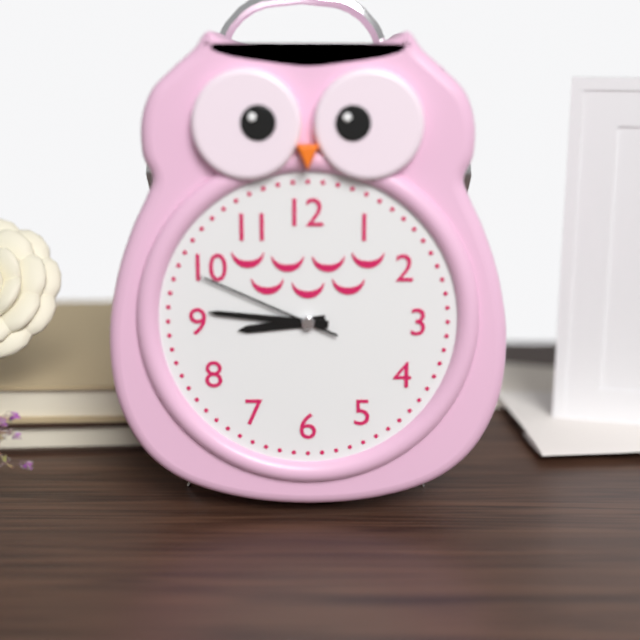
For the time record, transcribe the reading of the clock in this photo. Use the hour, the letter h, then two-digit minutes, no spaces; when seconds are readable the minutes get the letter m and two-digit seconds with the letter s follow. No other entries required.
8h46m49s
